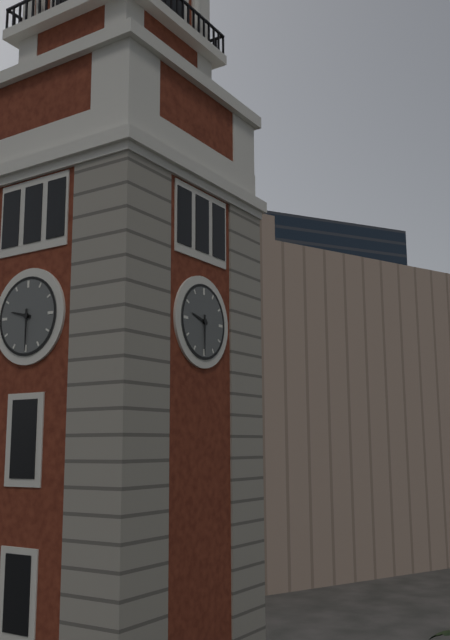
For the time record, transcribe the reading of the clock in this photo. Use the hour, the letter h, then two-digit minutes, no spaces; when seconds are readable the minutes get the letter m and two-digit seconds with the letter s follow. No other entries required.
9h30
